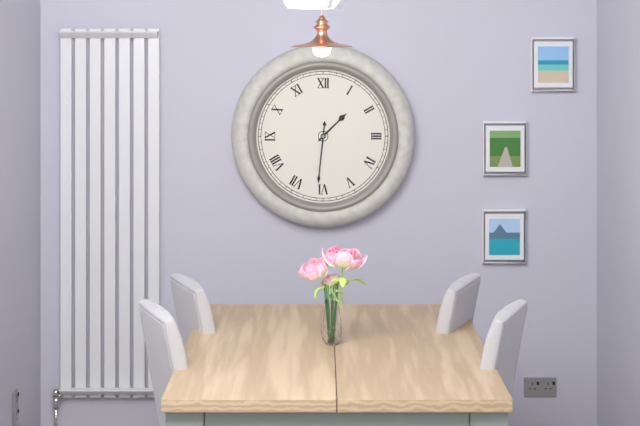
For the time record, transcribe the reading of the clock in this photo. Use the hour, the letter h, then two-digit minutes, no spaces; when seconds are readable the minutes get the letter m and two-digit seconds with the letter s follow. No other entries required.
1h31
